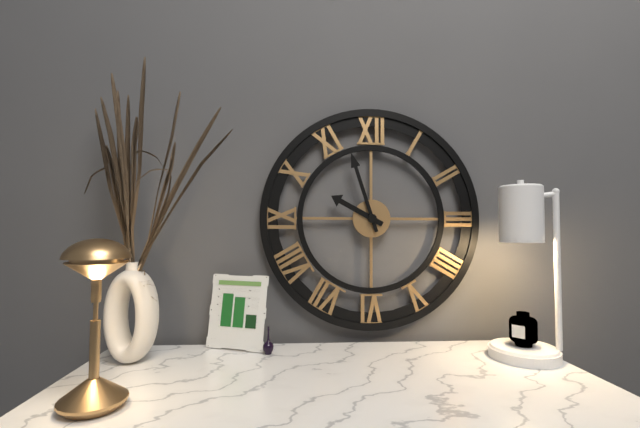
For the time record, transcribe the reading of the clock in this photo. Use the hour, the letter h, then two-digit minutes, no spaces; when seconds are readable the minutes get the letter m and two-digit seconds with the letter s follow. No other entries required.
9h57
